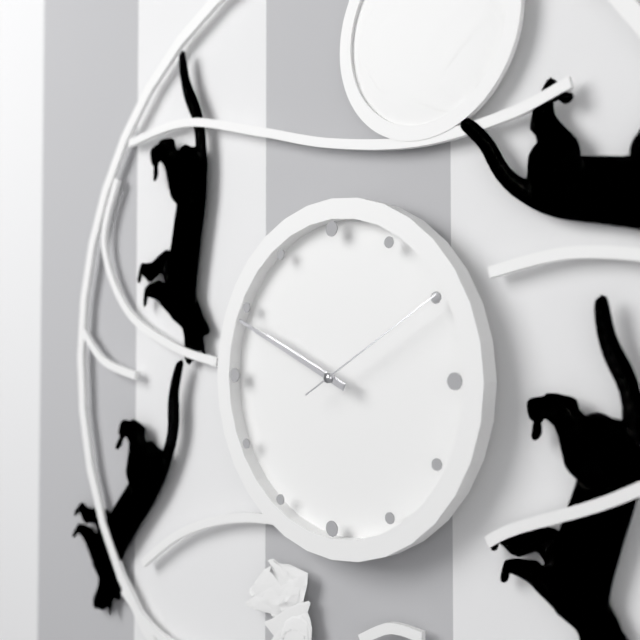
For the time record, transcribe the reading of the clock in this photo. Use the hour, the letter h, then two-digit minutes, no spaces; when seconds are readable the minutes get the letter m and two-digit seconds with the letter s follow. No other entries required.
9h49m10s
